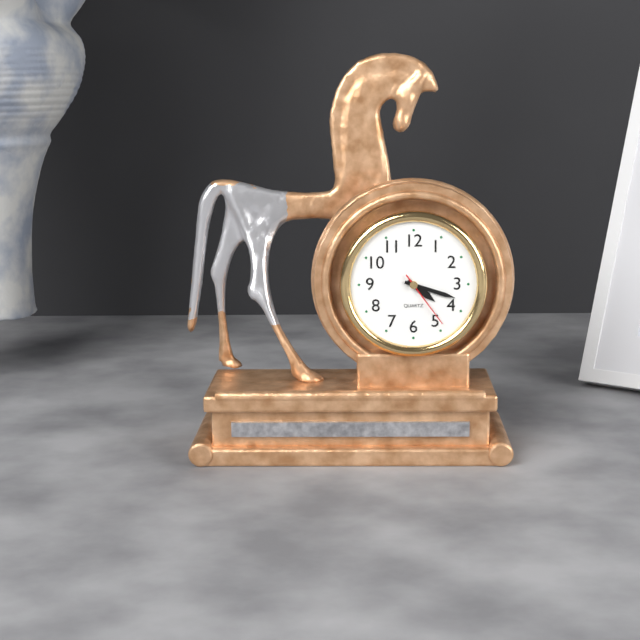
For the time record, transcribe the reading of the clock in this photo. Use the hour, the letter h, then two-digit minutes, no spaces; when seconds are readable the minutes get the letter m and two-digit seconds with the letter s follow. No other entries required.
4h18m24s
